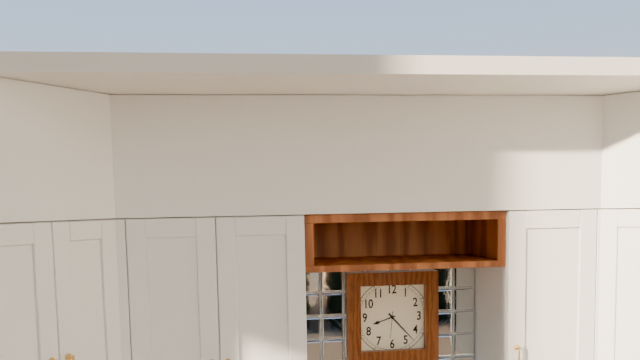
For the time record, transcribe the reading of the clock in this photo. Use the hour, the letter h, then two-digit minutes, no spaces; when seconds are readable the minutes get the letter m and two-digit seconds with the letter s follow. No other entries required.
8h23
